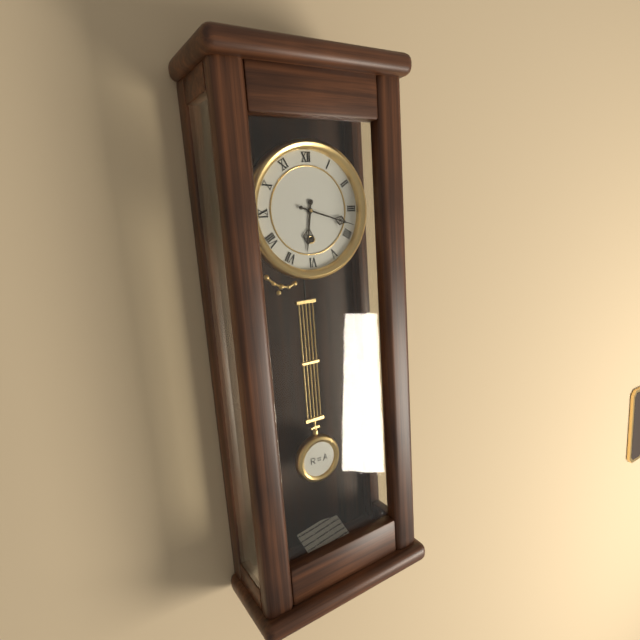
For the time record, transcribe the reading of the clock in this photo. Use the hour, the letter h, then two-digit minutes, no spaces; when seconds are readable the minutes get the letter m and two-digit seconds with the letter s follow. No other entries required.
6h18
